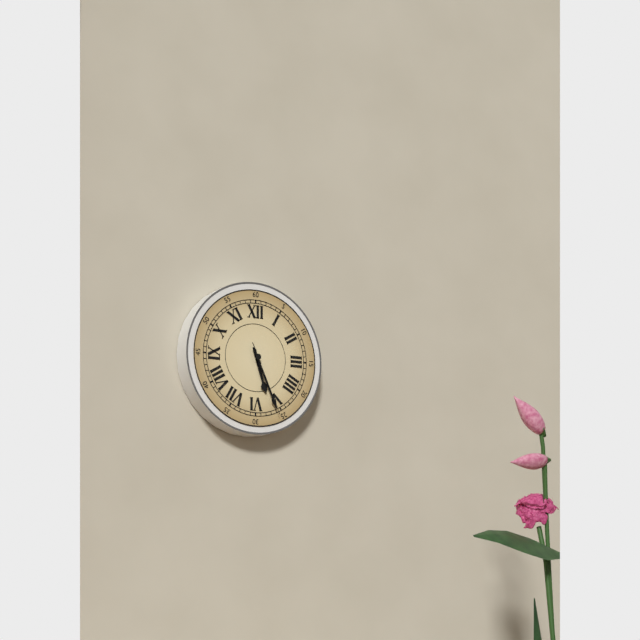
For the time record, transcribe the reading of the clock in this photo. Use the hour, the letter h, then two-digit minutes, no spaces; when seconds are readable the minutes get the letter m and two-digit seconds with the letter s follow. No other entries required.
5h26m26s
